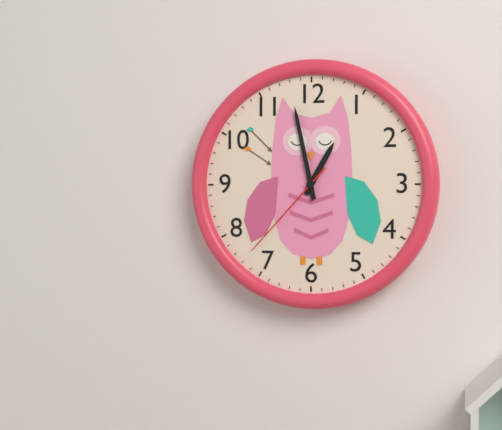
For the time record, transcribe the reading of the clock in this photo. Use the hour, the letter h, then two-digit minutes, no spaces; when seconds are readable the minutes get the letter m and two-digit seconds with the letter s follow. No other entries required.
12h58m37s
